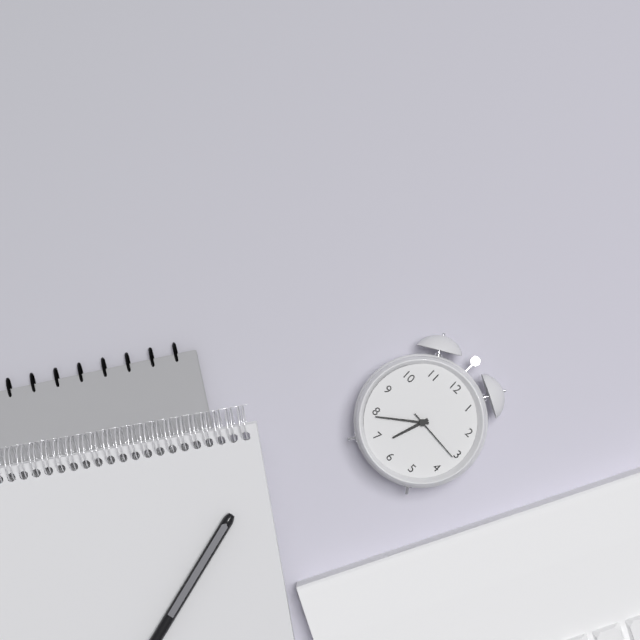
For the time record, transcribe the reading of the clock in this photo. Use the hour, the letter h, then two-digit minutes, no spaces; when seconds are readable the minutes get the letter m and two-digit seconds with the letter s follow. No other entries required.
6h39m16s
